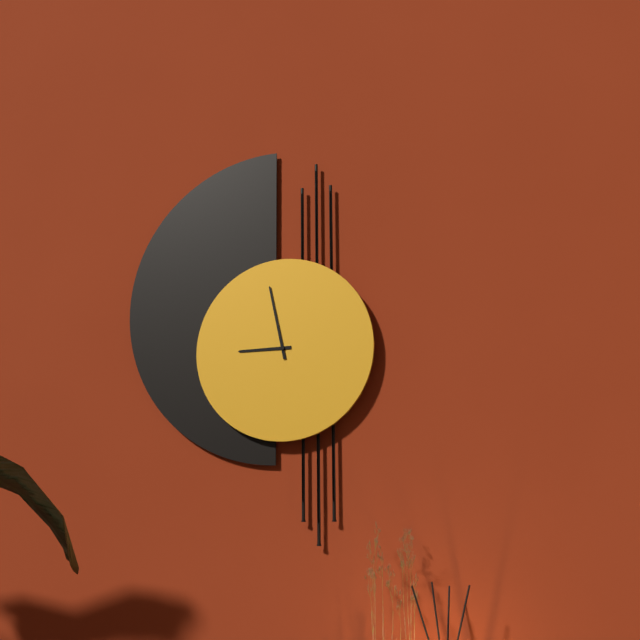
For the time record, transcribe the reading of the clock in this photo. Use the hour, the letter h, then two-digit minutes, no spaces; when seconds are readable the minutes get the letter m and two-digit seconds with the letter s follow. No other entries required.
8h58
